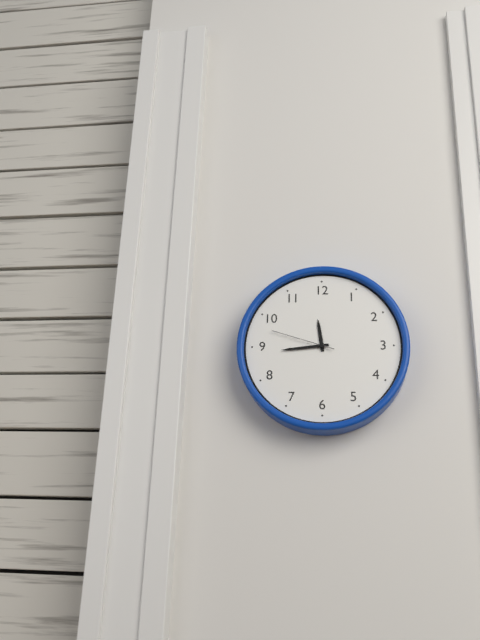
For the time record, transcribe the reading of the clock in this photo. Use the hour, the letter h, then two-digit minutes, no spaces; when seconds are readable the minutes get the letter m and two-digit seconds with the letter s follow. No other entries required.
11h44m48s
